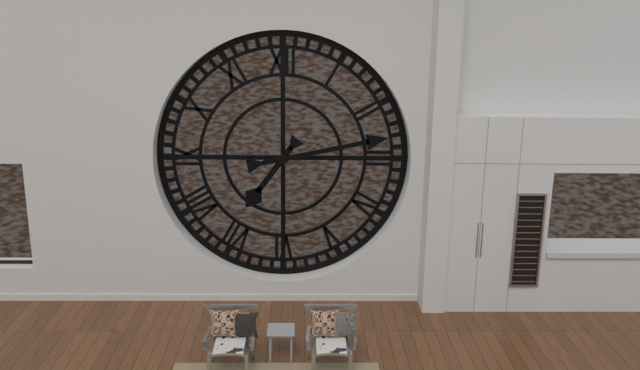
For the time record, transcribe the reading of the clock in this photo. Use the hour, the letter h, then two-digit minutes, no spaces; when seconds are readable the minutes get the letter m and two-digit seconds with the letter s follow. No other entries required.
7h13
